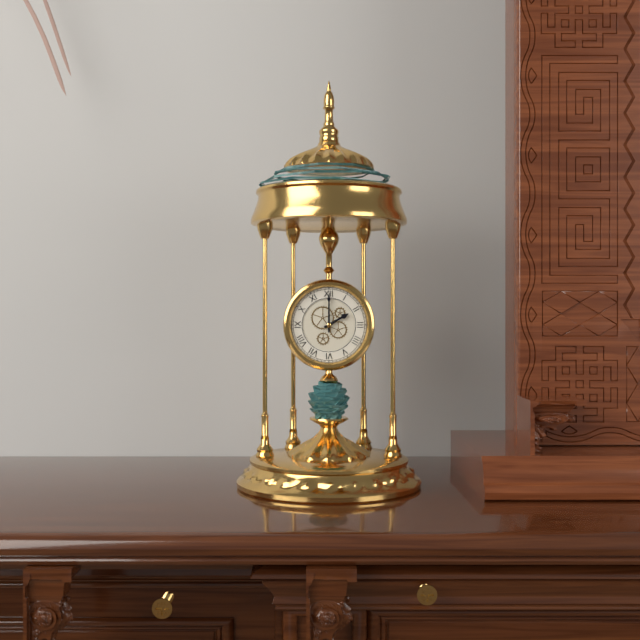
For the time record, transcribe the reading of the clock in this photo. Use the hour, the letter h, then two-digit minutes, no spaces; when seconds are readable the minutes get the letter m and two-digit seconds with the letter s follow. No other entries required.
2h00
